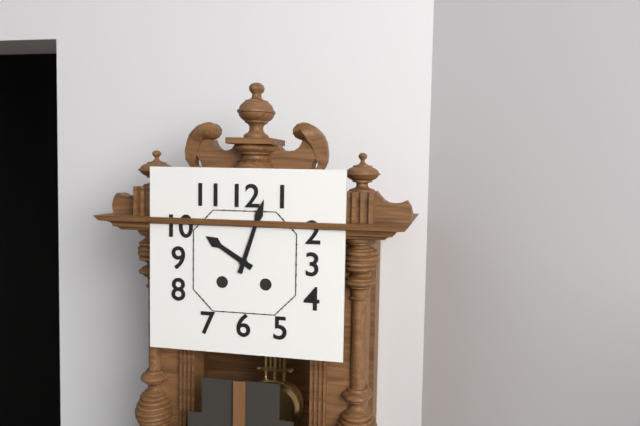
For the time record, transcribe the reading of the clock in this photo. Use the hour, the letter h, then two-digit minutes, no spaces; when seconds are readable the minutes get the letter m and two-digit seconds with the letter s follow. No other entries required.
10h03
